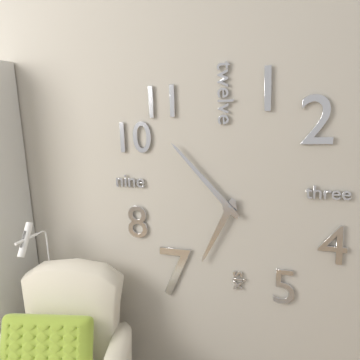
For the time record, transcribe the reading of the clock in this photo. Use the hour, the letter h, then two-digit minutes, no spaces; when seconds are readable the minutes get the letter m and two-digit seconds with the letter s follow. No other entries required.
6h53
